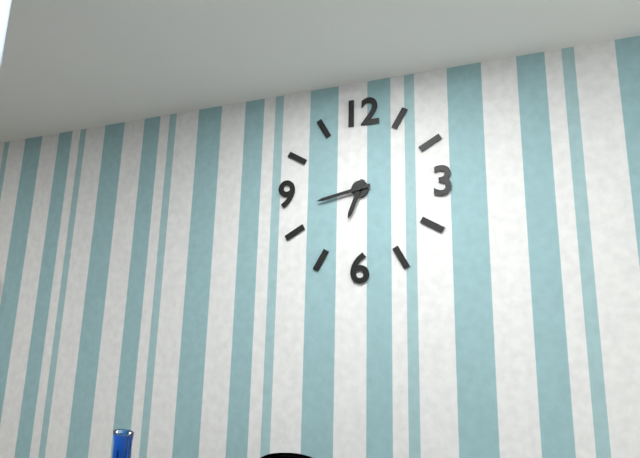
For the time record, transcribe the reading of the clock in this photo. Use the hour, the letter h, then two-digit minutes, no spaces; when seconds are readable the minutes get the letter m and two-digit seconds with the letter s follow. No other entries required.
6h43
